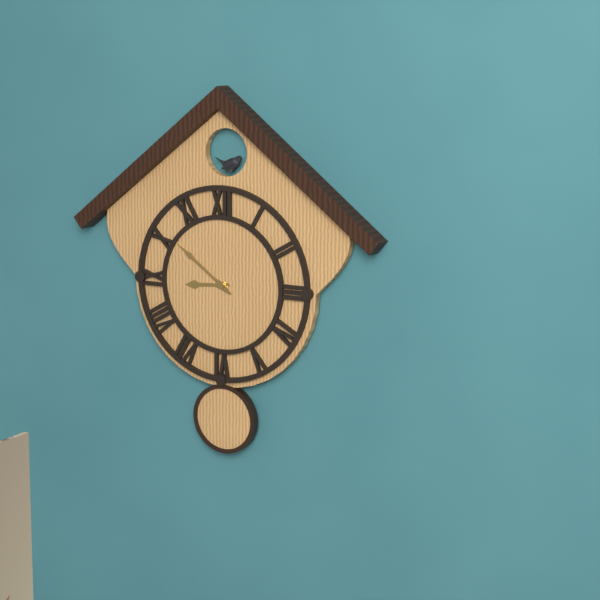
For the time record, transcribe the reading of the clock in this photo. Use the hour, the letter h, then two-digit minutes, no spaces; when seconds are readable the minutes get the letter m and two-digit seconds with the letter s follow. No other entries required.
8h51
